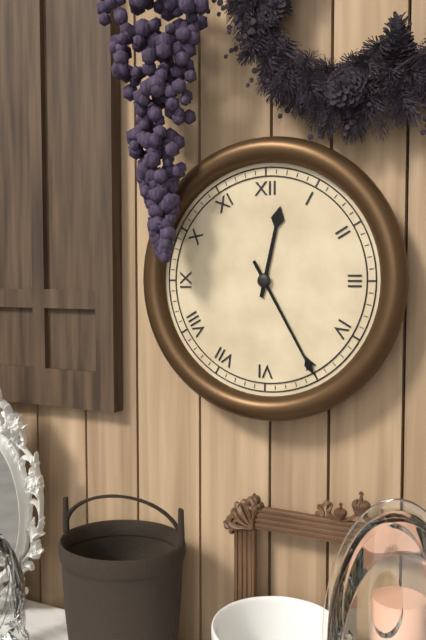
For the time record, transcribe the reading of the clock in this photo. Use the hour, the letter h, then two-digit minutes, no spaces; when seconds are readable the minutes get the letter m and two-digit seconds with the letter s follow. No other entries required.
12h25
